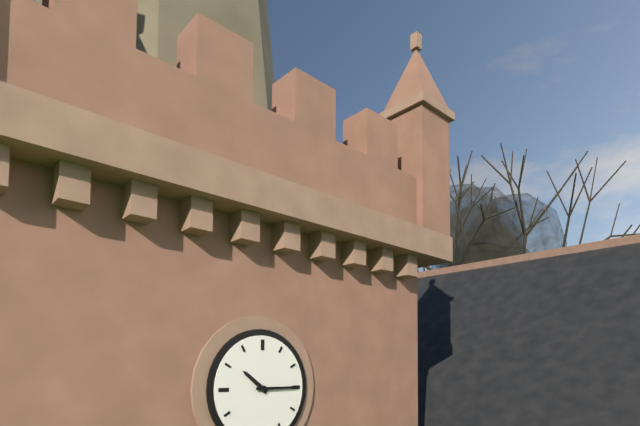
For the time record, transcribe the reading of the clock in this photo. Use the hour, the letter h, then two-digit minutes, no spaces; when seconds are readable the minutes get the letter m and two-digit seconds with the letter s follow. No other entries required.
10h15
